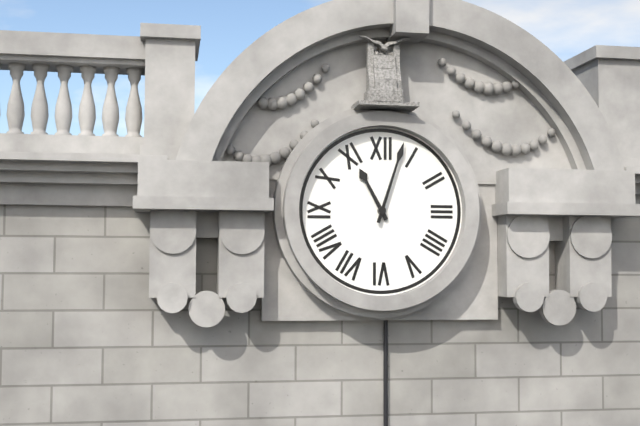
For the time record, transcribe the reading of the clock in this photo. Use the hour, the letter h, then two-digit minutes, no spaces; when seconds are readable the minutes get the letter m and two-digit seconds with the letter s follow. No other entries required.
11h03
